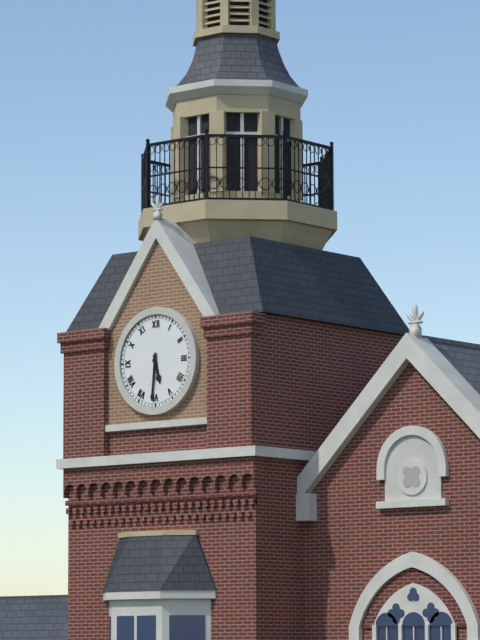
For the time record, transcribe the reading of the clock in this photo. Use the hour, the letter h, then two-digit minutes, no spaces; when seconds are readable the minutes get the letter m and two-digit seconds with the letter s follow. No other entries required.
5h31
